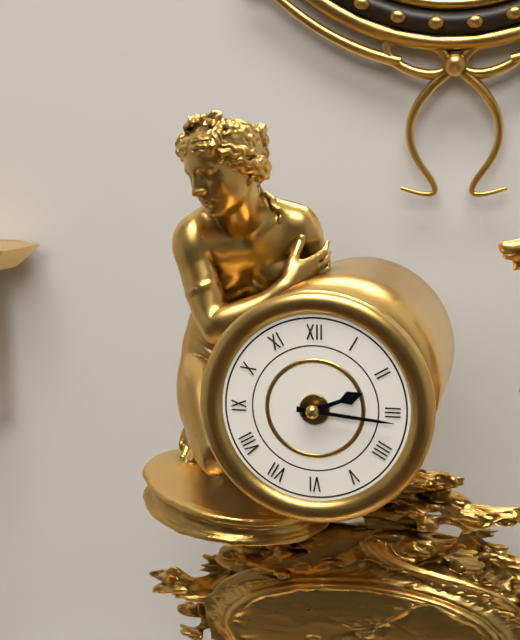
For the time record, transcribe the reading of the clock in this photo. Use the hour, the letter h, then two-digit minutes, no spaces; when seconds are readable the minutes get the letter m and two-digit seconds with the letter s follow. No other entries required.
2h16
